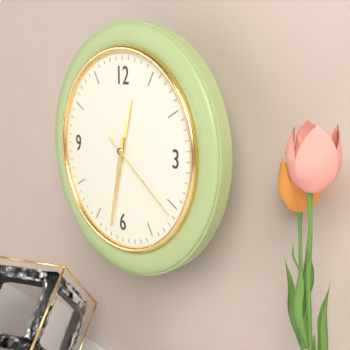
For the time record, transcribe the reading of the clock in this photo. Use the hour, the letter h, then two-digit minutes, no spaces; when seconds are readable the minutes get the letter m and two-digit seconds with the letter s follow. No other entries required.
12h32m21s
